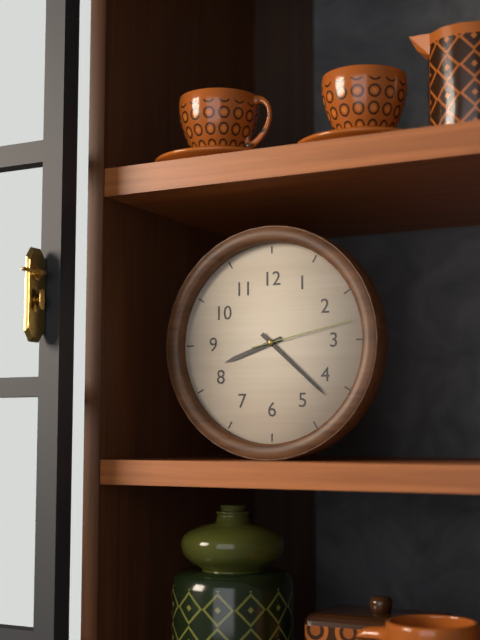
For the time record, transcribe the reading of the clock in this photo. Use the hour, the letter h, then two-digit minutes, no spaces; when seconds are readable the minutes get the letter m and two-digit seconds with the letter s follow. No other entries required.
8h22m13s
